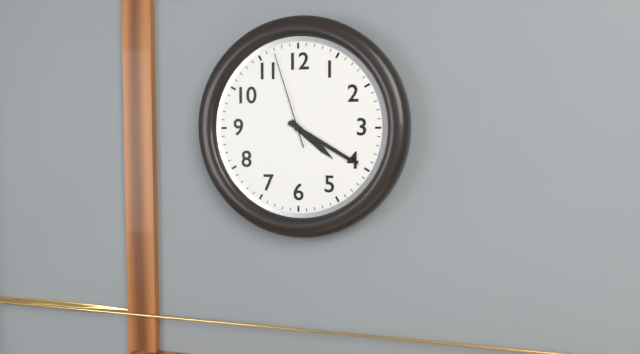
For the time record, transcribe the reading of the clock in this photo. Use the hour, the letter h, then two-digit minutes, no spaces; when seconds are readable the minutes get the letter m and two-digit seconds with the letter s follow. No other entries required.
4h20m57s
